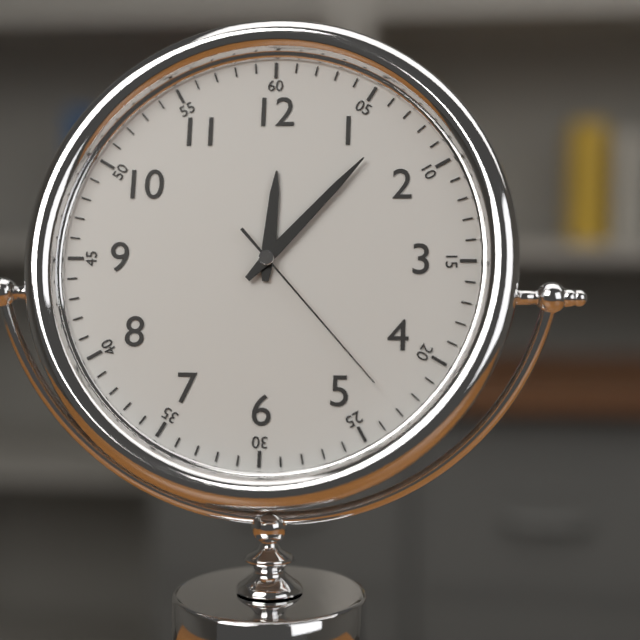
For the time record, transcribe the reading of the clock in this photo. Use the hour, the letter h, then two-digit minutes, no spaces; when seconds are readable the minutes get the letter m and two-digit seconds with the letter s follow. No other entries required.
12h07m23s
